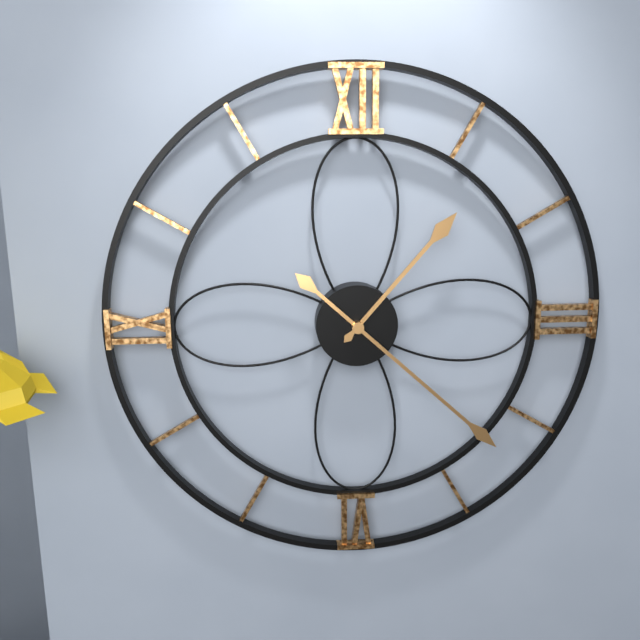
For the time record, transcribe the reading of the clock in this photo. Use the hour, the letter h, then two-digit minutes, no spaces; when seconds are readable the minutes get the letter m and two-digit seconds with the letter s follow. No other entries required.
1h22
